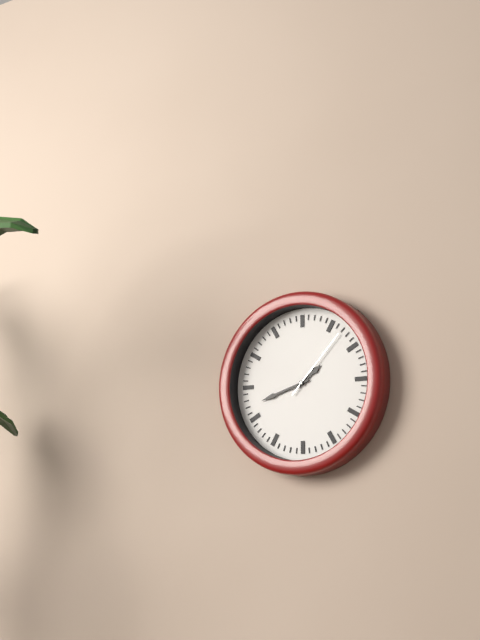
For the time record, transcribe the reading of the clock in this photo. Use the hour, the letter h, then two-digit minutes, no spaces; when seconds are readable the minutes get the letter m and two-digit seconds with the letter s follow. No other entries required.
1h42m07s
